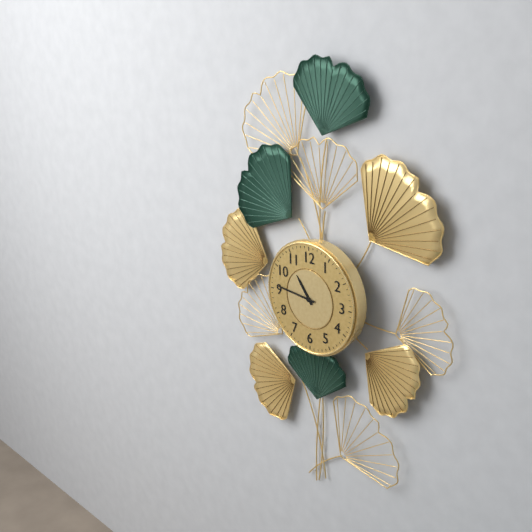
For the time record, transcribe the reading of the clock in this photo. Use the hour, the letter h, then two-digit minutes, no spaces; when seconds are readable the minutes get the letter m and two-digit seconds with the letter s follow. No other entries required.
10h46
